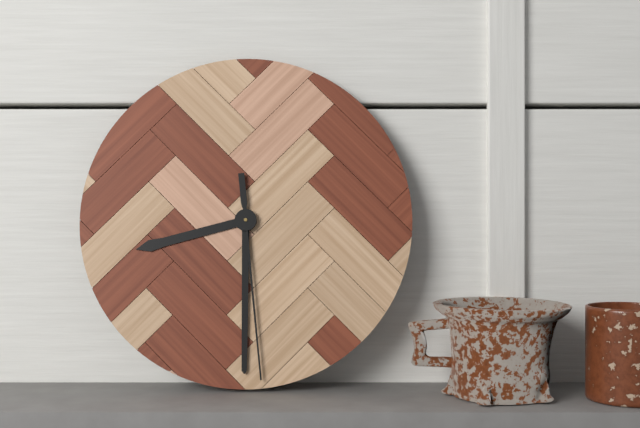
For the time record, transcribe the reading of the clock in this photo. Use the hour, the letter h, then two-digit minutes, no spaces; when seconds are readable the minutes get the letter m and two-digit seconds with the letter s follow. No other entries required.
8h30m29s
